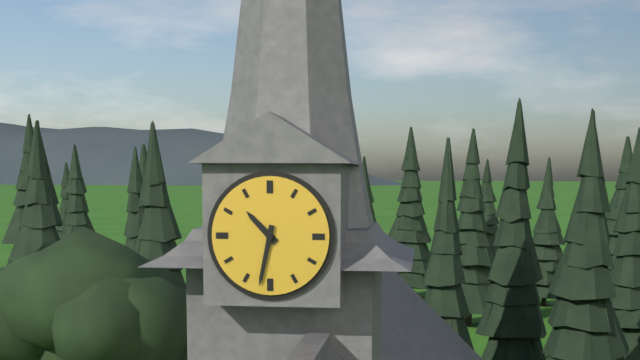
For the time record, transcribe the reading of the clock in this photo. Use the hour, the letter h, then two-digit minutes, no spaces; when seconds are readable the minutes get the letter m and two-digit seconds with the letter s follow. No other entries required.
10h32
